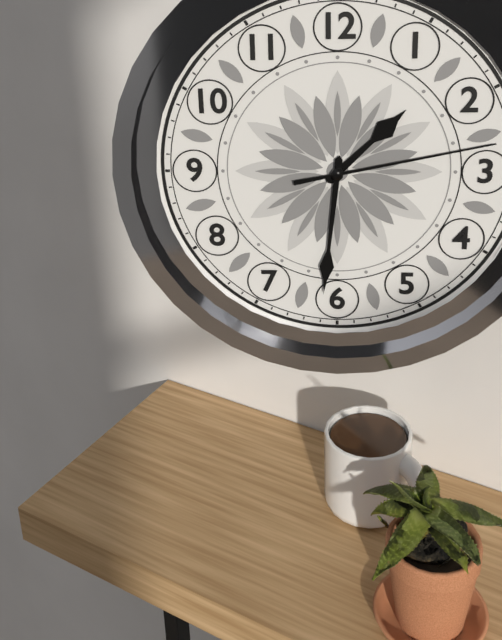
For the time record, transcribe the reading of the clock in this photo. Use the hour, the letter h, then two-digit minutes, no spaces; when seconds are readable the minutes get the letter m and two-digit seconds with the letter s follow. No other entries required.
1h31m13s
